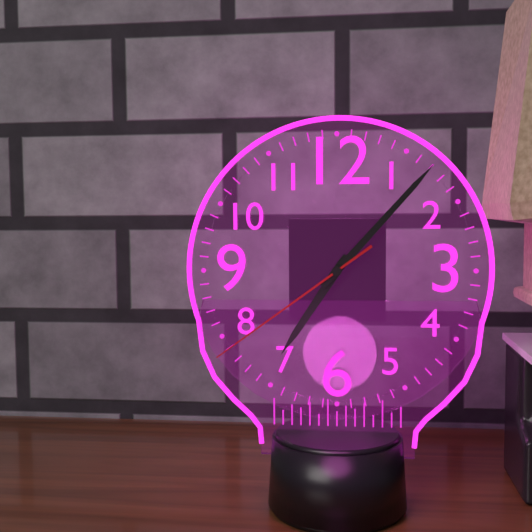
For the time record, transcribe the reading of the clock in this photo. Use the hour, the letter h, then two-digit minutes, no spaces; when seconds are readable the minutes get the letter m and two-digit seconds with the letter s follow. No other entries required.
7h07m39s
